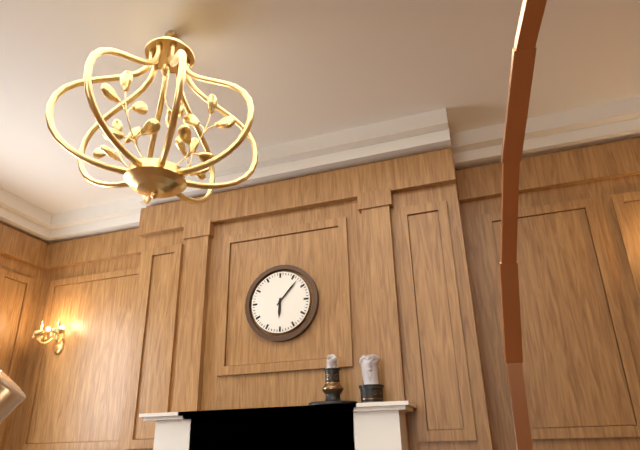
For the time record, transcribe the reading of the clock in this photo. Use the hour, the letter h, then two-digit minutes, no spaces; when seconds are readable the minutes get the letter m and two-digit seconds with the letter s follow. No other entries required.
6h07
